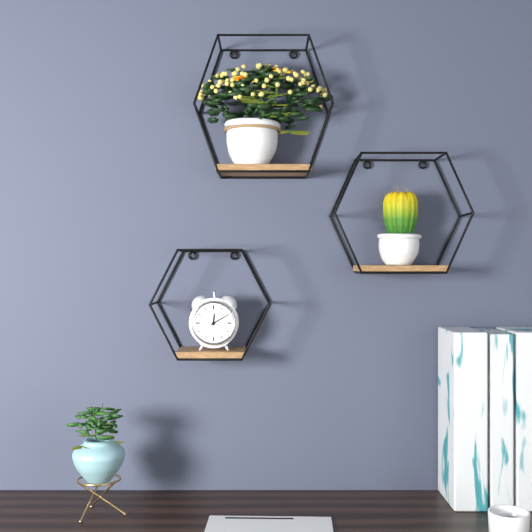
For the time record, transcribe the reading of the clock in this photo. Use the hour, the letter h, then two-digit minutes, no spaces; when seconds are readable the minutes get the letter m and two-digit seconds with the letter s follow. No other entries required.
12h10
